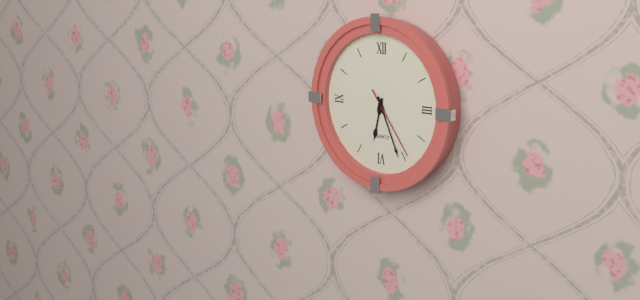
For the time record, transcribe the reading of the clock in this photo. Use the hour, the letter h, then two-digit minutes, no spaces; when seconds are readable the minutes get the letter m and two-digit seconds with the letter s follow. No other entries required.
6h26m24s
